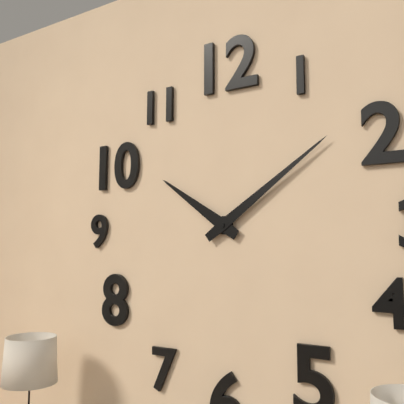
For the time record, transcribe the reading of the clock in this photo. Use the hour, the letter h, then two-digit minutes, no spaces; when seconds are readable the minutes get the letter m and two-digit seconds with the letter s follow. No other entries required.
10h09
